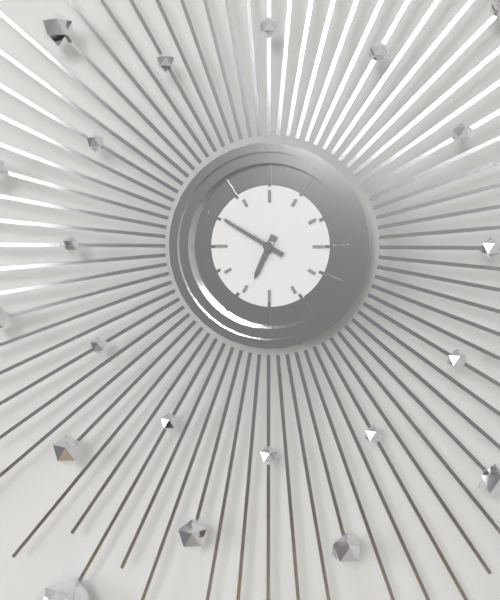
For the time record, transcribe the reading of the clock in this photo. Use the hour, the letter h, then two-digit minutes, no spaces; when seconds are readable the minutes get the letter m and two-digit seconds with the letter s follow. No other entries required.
6h50
